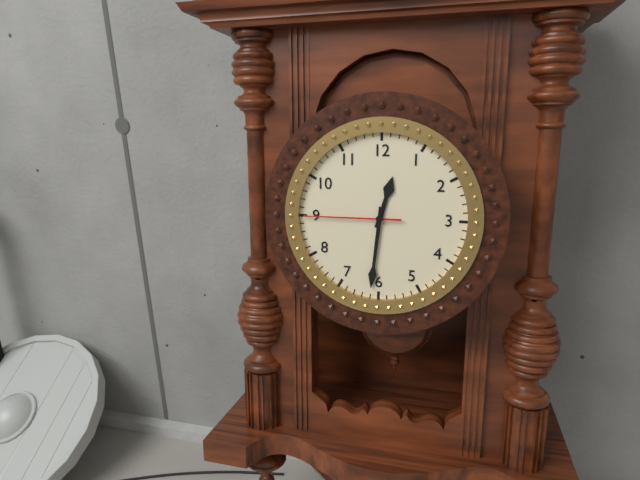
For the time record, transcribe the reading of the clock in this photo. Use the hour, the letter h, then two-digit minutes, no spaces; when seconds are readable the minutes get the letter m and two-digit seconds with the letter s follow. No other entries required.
12h31m45s
